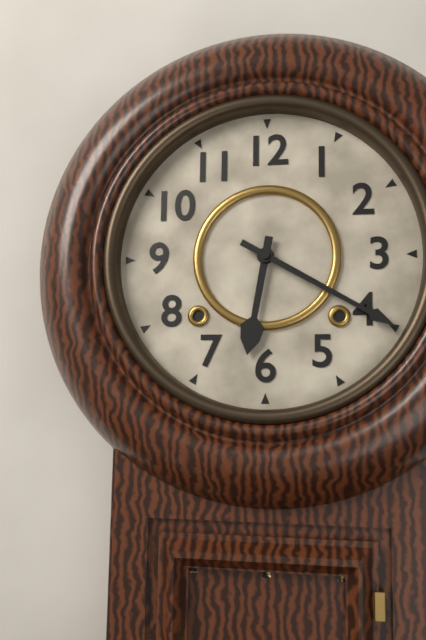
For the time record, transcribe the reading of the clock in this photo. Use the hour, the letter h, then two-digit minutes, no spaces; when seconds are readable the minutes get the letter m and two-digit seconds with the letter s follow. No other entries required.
6h20
